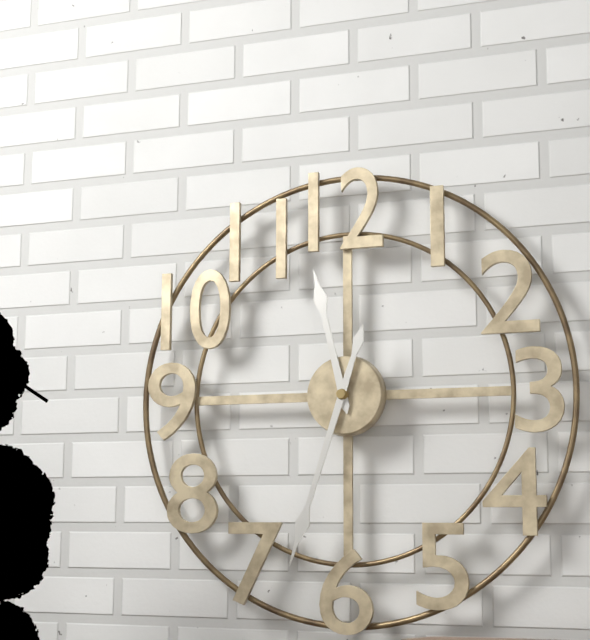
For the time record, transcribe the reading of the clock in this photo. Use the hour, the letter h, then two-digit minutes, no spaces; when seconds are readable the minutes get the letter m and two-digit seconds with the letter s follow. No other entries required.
11h33
